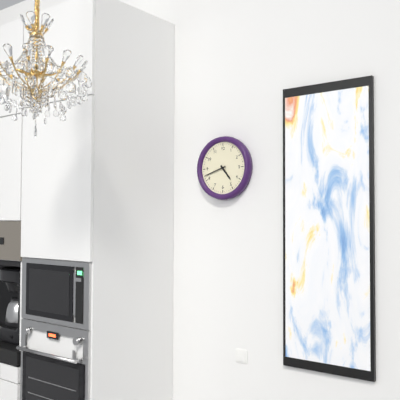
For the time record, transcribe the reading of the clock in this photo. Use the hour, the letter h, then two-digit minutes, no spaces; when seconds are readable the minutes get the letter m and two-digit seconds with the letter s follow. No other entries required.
4h42
